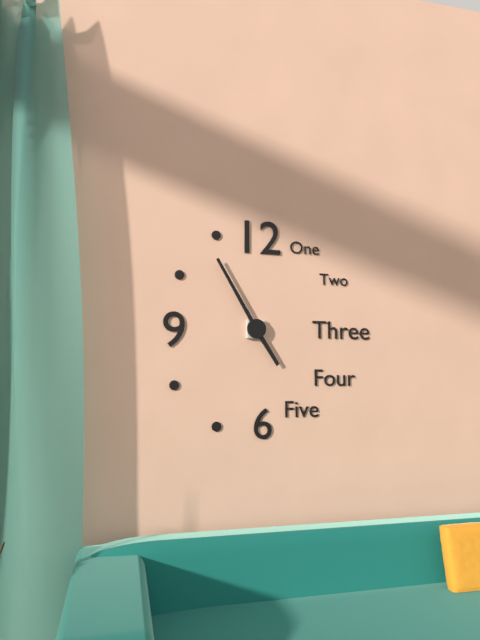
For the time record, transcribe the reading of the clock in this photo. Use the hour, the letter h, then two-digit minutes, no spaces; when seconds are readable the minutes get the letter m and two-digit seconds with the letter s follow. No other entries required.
4h55
